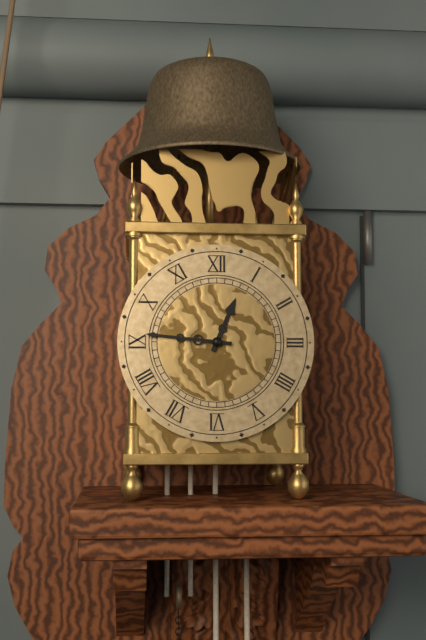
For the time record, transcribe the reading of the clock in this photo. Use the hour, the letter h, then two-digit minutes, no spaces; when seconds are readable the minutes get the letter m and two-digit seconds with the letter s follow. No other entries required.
12h46
